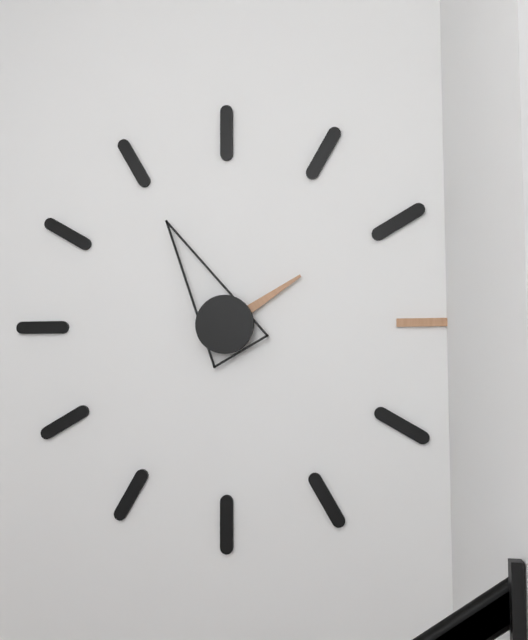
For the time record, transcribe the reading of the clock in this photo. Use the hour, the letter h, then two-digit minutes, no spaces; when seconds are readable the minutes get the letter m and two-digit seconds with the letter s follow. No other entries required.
1h55
